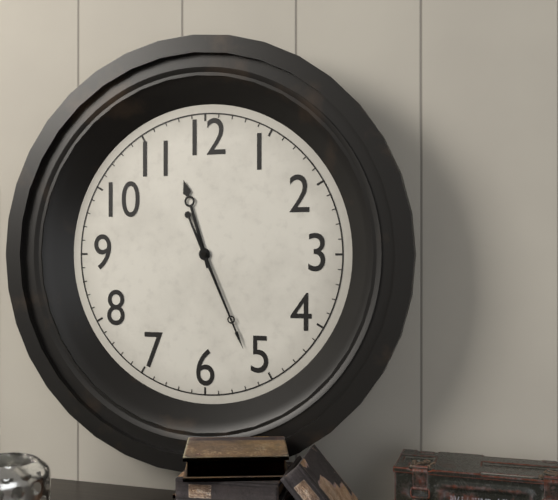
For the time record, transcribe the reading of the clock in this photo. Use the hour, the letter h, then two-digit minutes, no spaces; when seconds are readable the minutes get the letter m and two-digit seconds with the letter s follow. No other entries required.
11h26
